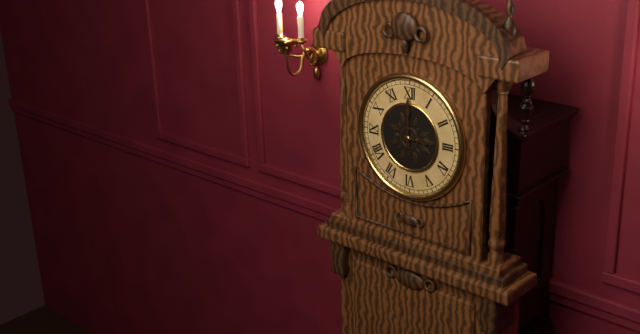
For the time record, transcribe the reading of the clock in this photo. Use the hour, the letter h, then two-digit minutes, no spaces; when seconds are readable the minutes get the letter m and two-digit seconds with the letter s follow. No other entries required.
3h00
